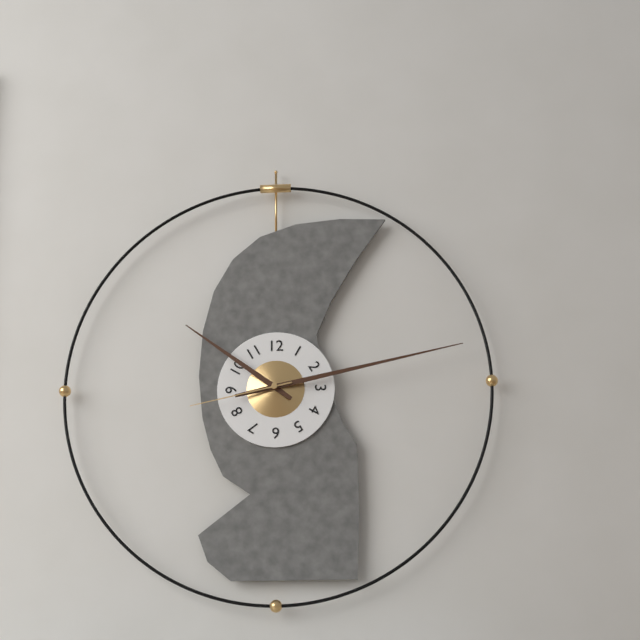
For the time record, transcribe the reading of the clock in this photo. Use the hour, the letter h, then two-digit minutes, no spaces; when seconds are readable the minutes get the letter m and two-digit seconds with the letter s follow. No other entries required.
10h13m43s
